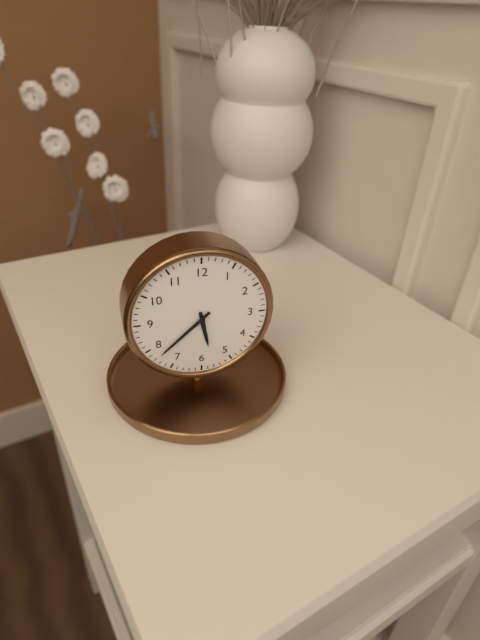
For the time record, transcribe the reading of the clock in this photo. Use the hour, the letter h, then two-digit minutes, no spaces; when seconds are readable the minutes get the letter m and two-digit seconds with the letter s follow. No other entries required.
5h38
